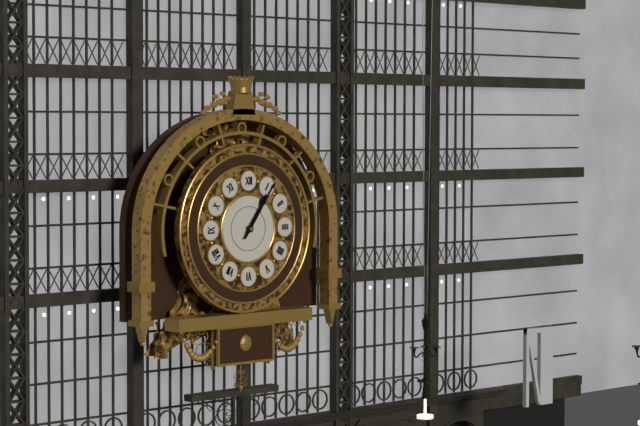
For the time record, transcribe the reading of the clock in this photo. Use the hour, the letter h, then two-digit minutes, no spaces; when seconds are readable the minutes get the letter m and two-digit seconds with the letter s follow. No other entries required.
1h06
